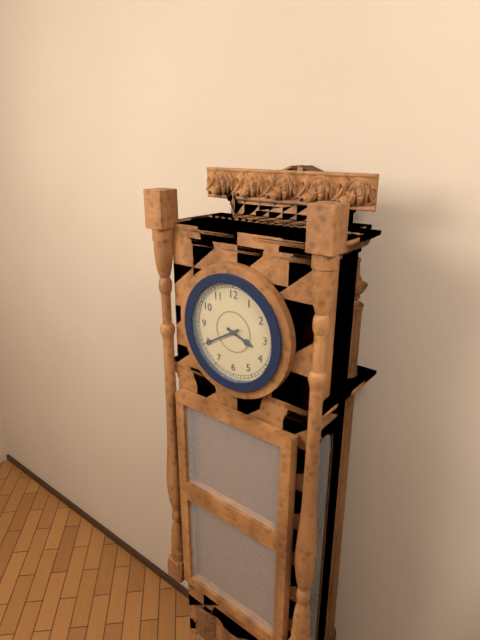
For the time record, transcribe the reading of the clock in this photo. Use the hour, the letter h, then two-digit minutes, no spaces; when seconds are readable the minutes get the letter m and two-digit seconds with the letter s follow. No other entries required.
3h40
